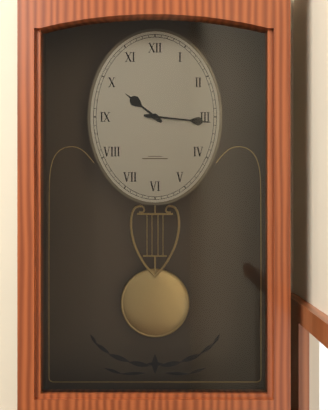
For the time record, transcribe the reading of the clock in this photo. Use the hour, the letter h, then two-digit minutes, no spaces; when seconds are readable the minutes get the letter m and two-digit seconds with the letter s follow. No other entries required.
10h16
